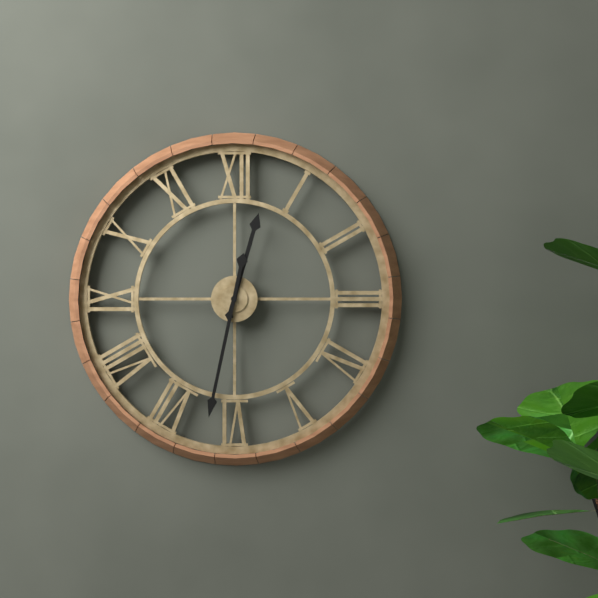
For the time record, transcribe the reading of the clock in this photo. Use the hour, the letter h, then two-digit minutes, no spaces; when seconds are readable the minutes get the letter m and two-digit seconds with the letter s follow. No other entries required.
12h32
